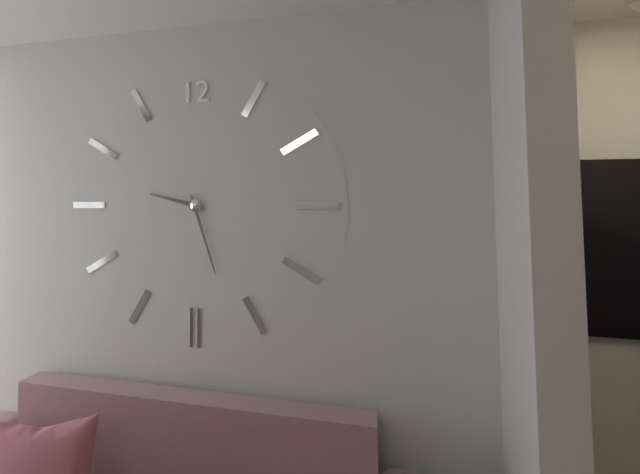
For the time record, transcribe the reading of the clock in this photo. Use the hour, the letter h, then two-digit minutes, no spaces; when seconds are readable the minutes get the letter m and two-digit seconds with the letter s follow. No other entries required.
9h27
